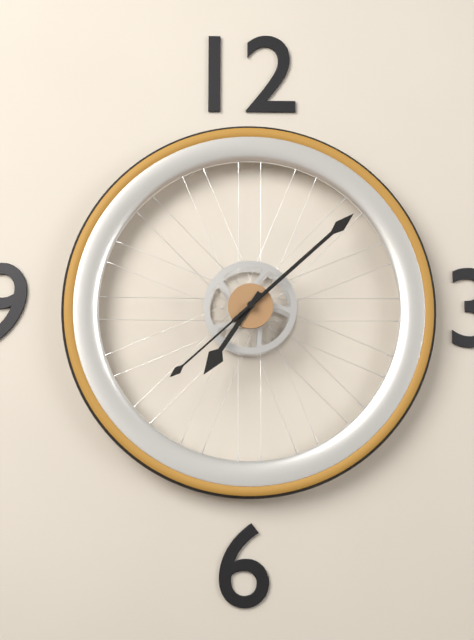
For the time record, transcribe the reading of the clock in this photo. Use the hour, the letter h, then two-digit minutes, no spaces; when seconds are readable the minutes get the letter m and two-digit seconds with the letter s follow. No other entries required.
7h08m38s
